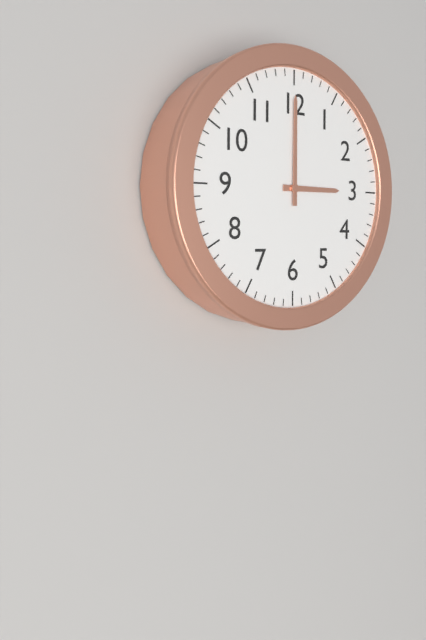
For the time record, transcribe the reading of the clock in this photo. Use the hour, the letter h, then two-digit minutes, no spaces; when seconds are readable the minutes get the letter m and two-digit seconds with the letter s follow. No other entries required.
3h00
